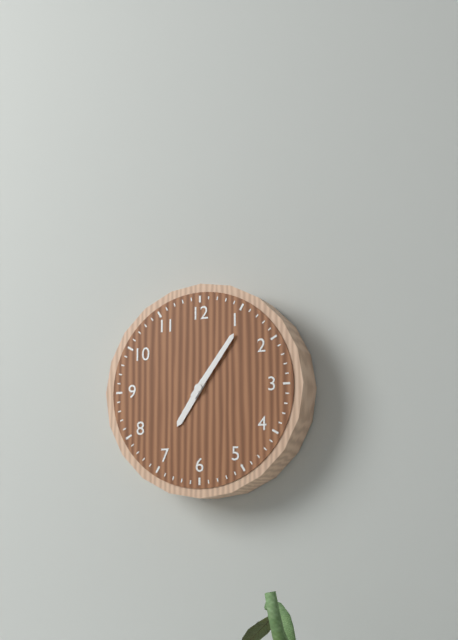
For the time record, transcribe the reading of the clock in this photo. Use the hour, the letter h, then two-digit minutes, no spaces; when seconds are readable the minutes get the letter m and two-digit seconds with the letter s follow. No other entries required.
7h06
